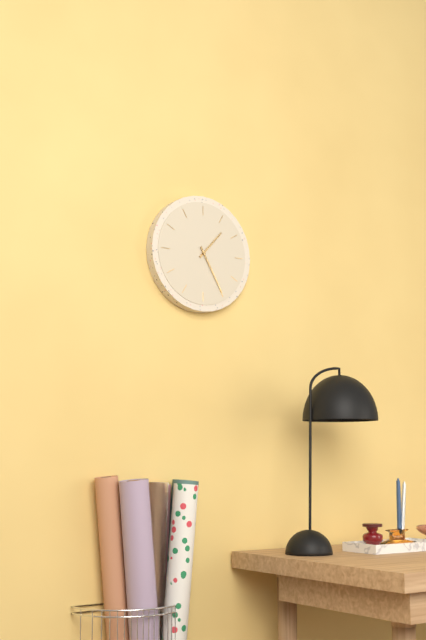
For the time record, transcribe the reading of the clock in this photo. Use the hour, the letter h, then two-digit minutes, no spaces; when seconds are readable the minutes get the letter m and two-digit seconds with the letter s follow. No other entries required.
1h25
